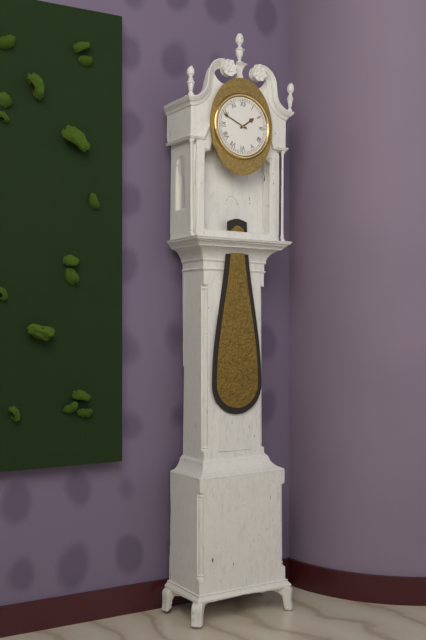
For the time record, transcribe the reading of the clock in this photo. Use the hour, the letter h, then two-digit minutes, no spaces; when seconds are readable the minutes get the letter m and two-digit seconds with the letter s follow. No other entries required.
1h49
